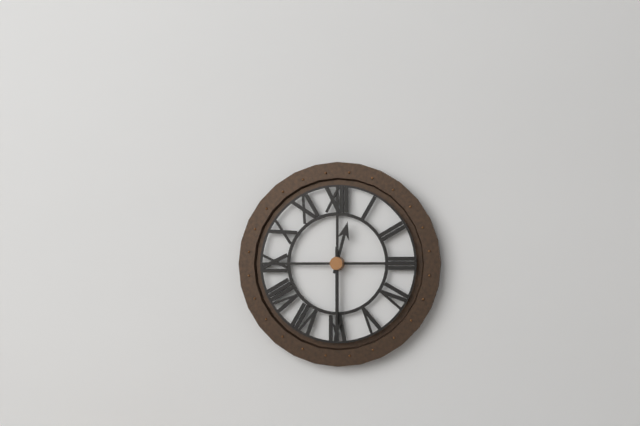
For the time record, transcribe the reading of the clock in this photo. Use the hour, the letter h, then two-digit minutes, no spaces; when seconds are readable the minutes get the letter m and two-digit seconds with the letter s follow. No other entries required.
12h30
